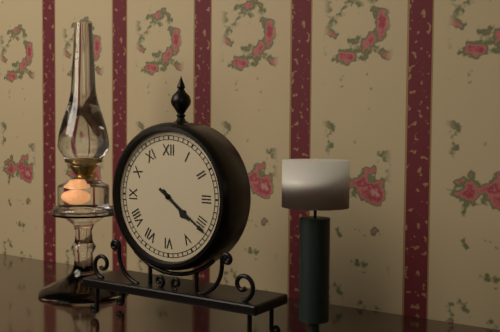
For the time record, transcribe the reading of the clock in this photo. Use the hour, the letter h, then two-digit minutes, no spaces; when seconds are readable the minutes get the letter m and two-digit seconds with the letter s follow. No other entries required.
4h21
